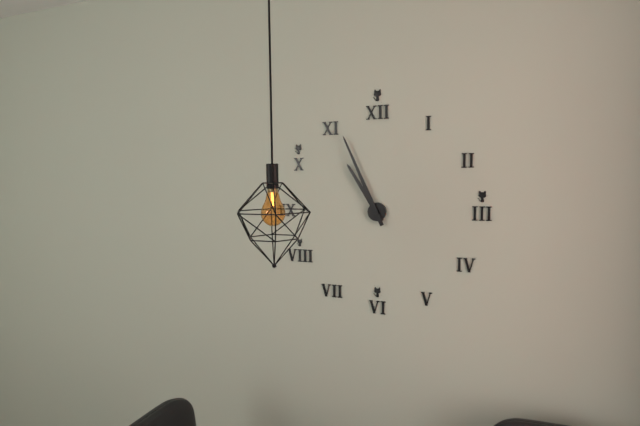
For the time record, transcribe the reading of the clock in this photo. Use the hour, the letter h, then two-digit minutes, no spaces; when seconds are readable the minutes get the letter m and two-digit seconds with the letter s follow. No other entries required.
10h56
